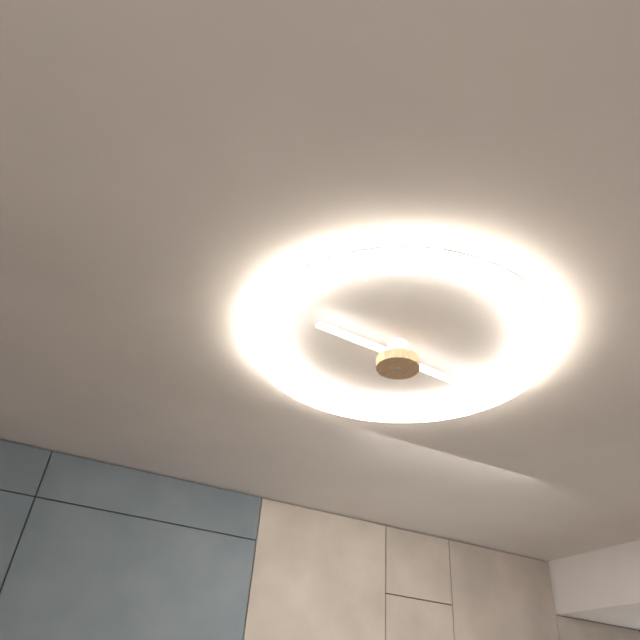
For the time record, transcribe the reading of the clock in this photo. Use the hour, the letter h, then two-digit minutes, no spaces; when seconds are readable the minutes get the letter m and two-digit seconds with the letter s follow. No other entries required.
10h22
